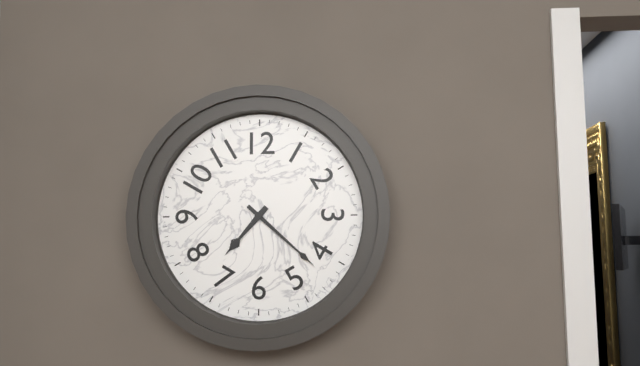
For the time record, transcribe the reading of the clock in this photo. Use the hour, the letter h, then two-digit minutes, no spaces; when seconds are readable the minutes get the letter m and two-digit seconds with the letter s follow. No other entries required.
7h22
